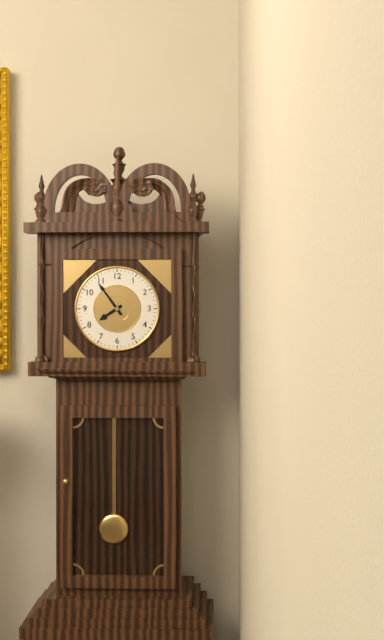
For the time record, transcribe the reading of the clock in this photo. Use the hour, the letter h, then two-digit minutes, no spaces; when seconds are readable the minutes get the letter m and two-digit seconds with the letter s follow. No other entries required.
7h54
